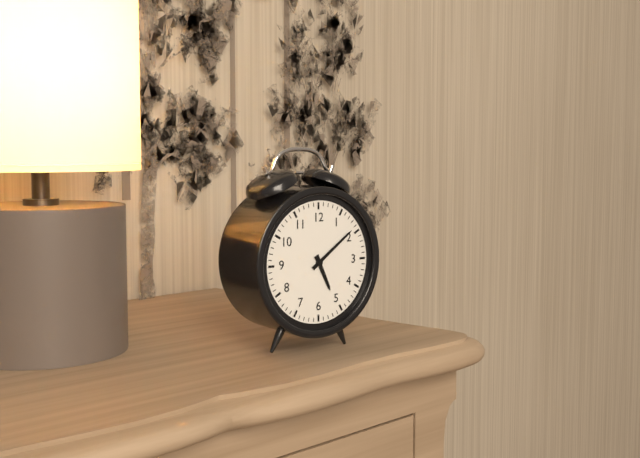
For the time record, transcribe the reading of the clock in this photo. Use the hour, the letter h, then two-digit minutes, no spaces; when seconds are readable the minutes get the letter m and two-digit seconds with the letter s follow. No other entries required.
5h09
